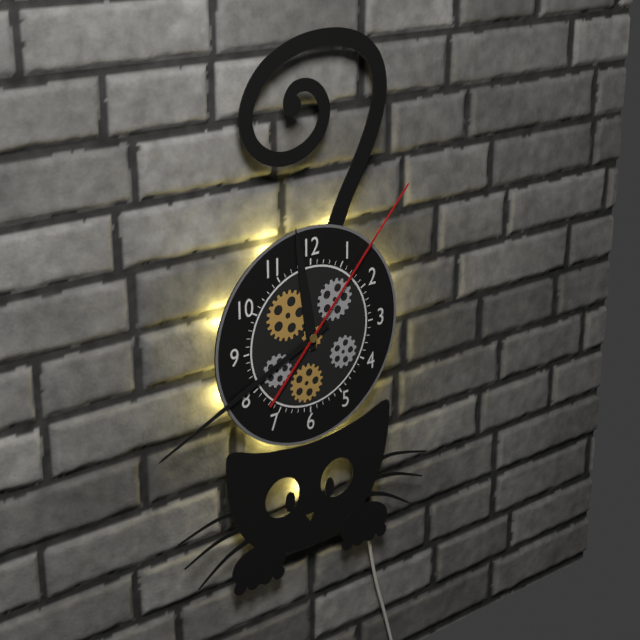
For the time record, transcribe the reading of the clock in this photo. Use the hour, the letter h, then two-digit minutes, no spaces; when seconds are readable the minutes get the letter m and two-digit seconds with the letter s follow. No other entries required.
11h41m07s
